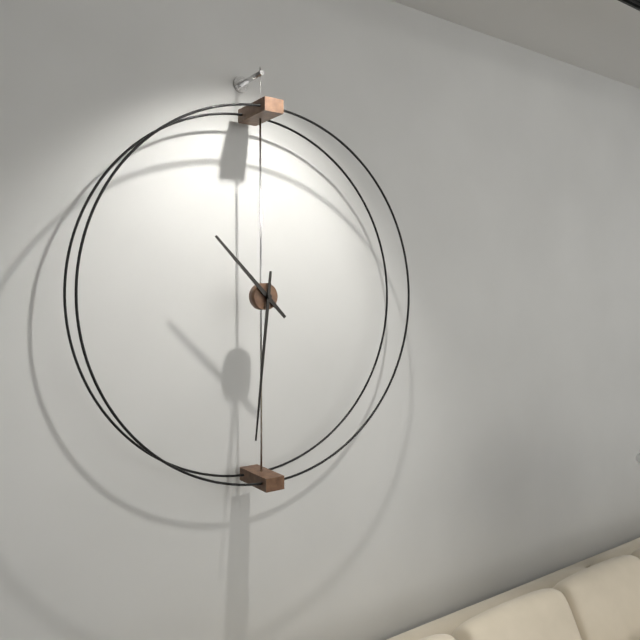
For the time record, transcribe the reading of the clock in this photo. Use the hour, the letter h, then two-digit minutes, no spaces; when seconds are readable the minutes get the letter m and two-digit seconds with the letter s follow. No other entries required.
10h31
